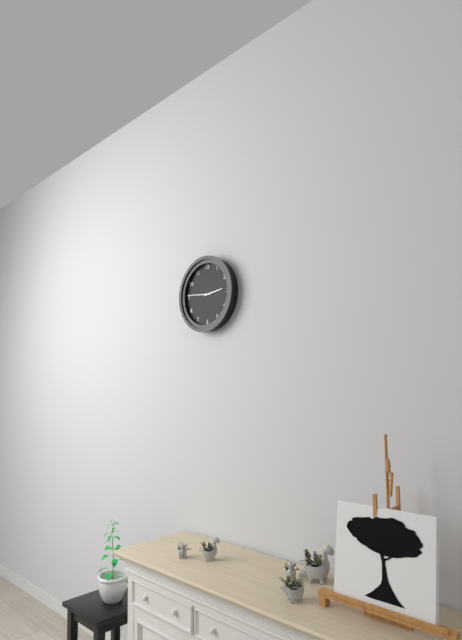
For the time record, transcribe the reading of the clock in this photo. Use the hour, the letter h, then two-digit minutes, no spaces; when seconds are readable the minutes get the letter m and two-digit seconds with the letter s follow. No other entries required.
2h46
